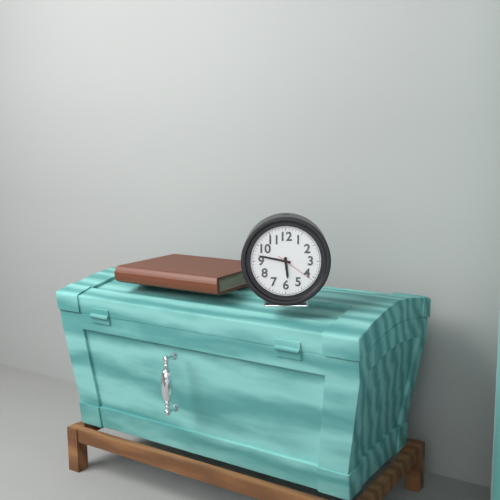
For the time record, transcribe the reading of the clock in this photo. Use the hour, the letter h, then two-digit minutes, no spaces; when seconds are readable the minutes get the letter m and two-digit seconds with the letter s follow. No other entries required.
5h47
